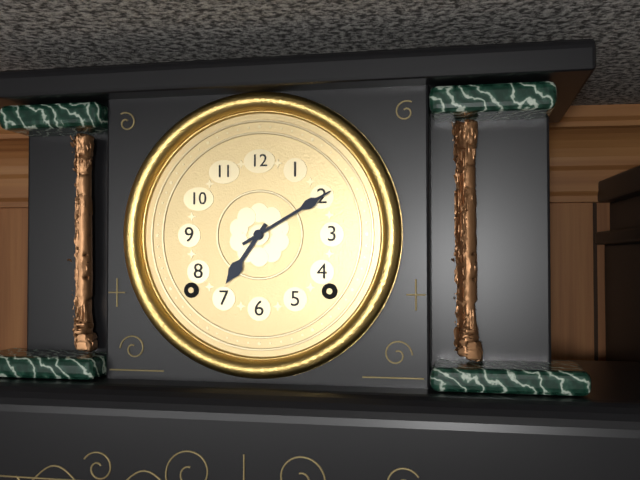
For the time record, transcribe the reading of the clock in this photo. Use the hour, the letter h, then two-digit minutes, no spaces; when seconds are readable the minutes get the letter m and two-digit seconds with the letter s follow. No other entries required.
7h10
